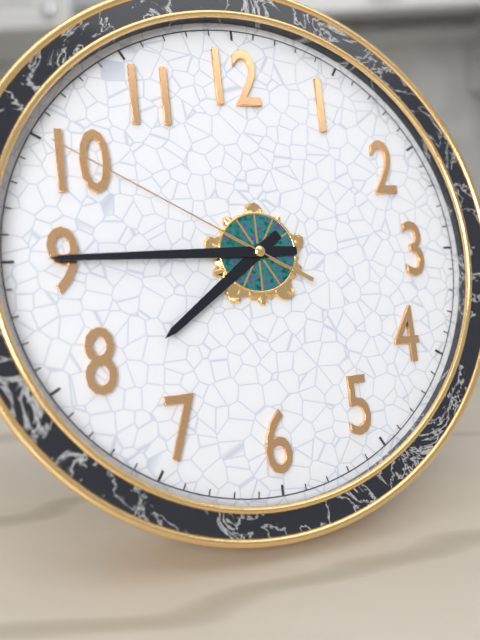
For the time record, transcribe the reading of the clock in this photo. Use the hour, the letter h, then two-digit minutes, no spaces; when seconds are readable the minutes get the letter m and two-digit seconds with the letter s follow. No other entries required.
7h45m50s
